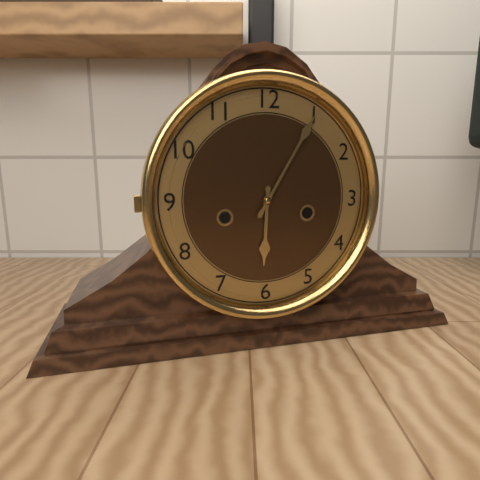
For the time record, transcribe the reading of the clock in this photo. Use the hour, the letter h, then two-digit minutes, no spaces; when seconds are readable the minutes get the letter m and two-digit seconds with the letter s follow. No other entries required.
6h05
